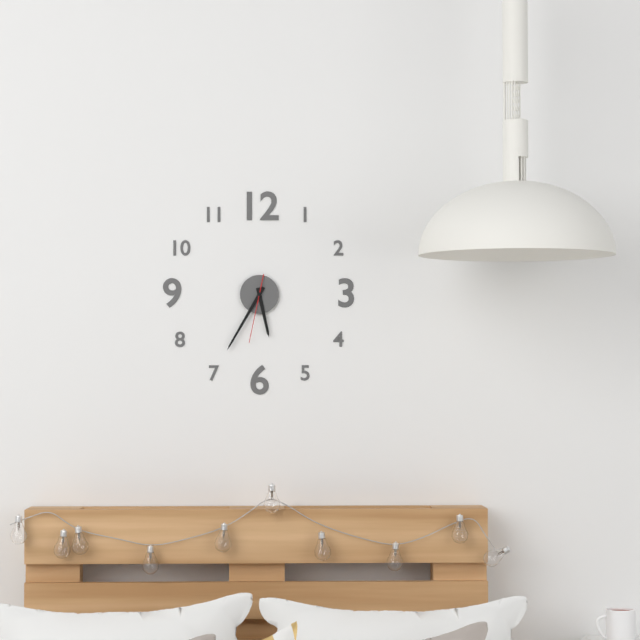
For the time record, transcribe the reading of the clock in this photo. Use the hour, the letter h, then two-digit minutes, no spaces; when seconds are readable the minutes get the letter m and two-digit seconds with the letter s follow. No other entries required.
5h35m32s
